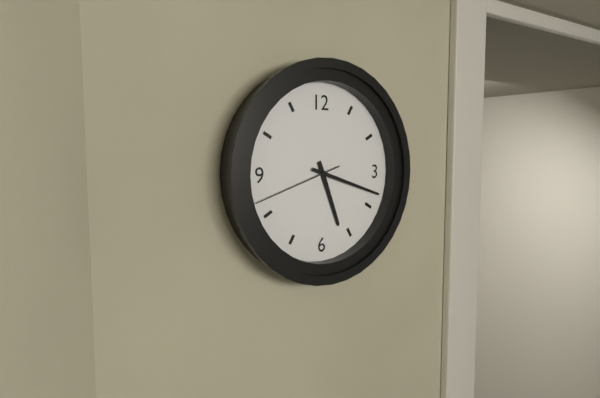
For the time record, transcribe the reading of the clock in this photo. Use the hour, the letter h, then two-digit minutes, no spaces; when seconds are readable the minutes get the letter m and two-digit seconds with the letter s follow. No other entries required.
5h18m42s
